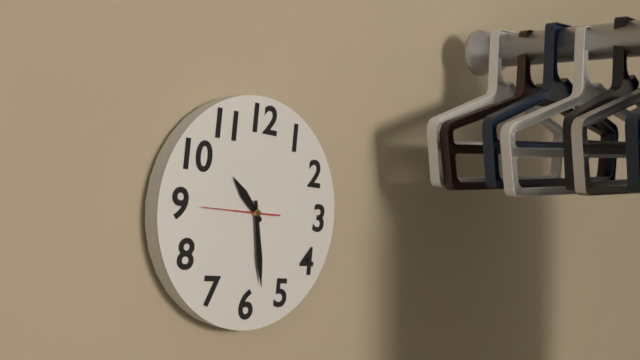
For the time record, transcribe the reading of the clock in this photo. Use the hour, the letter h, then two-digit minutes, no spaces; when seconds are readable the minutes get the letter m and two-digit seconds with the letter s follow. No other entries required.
10h28
